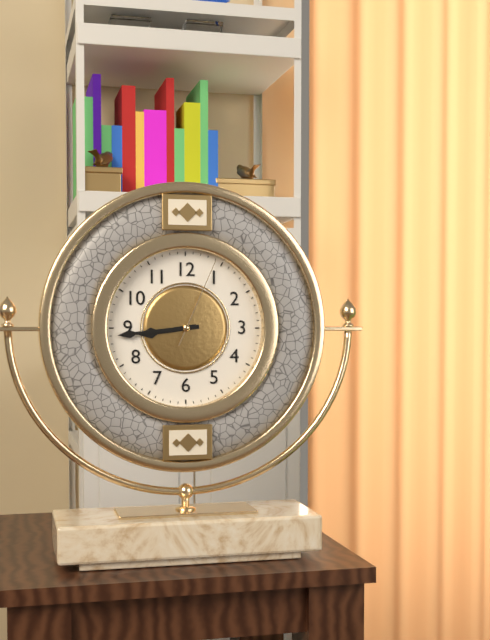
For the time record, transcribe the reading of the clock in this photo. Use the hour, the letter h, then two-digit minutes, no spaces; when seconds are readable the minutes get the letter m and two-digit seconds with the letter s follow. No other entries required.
8h44m04s
